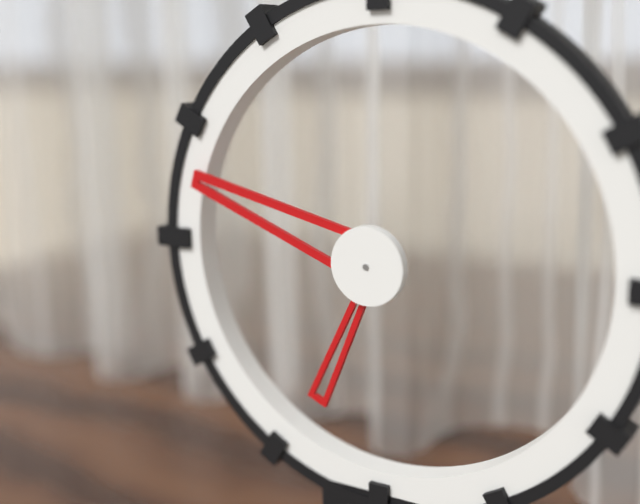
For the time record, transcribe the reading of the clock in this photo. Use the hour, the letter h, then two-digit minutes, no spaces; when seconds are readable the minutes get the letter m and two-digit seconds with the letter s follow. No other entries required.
6h48
